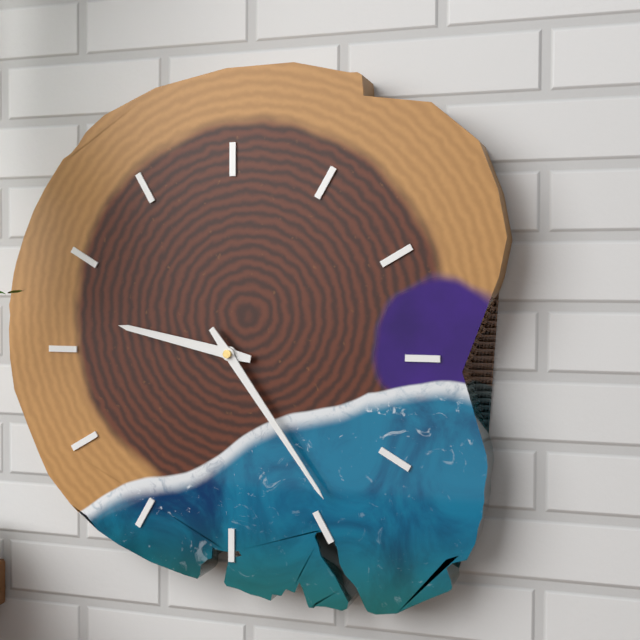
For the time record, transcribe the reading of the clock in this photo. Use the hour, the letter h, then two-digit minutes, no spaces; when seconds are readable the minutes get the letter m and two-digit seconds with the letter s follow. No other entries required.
9h24
